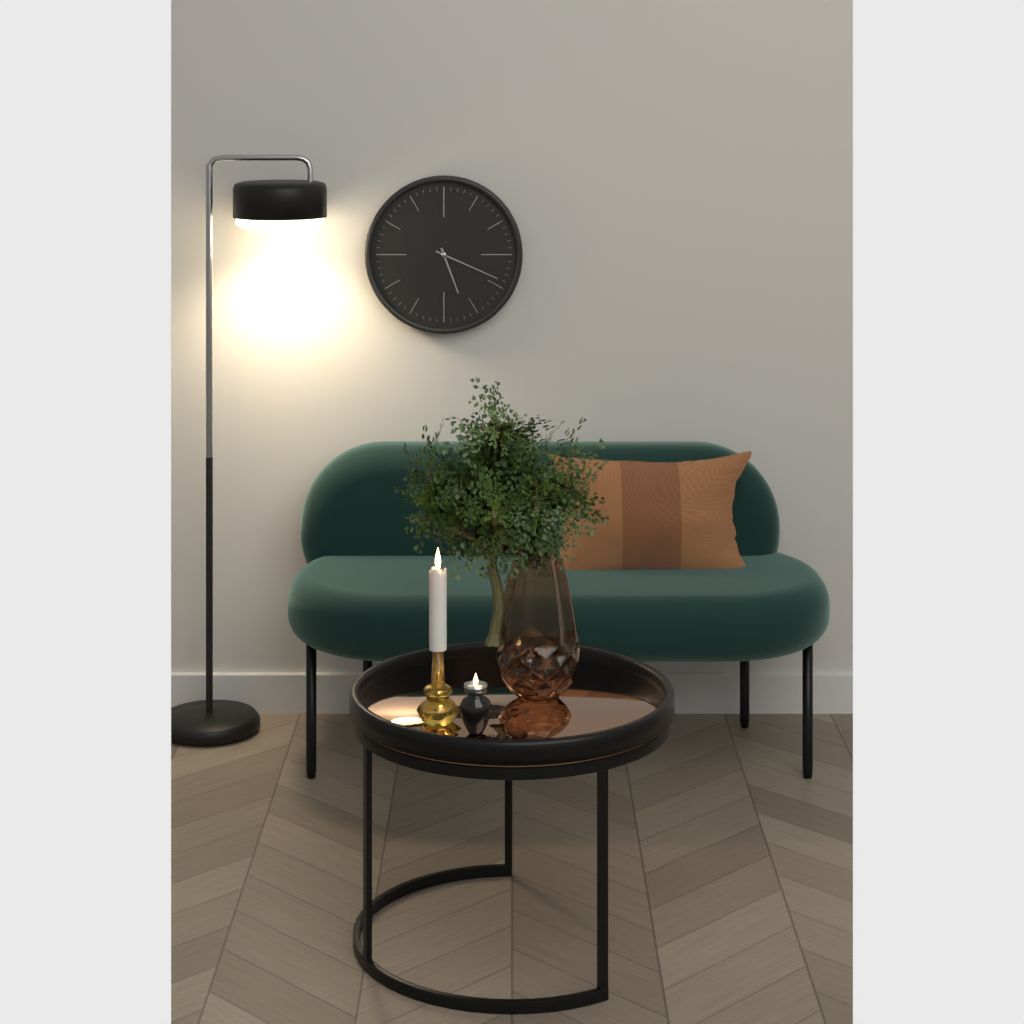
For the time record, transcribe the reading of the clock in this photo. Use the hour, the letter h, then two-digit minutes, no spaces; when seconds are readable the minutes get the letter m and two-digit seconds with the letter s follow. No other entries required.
5h19
